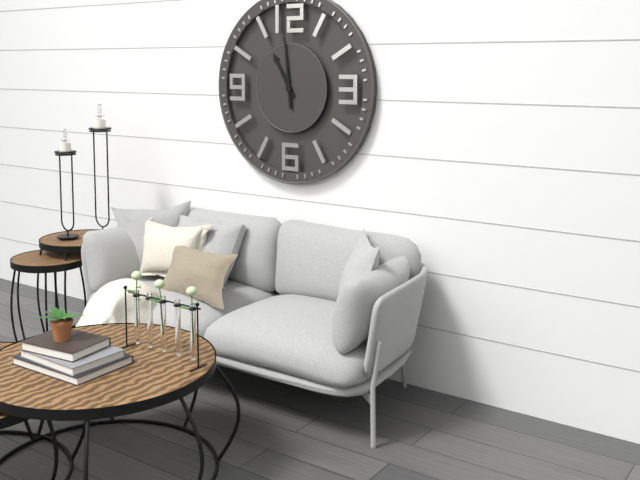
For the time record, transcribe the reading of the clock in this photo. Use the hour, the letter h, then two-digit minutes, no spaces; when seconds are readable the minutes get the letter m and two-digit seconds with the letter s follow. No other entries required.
10h59
